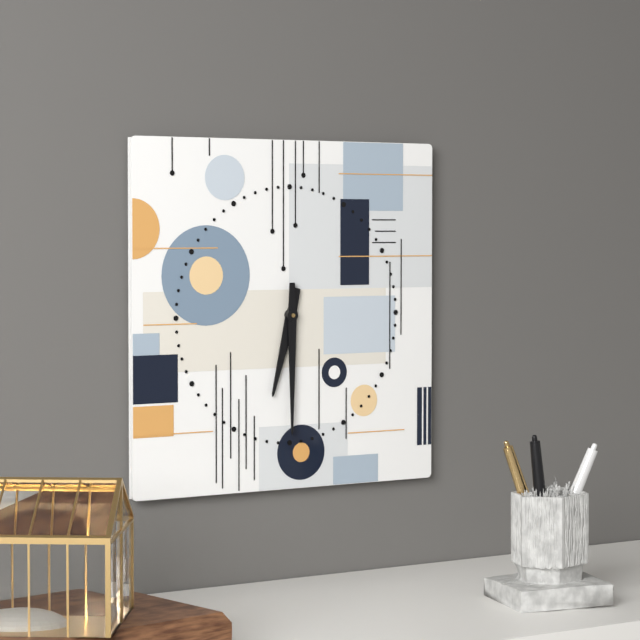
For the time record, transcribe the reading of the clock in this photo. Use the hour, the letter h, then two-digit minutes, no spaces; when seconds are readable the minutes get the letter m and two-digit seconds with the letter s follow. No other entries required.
6h30
